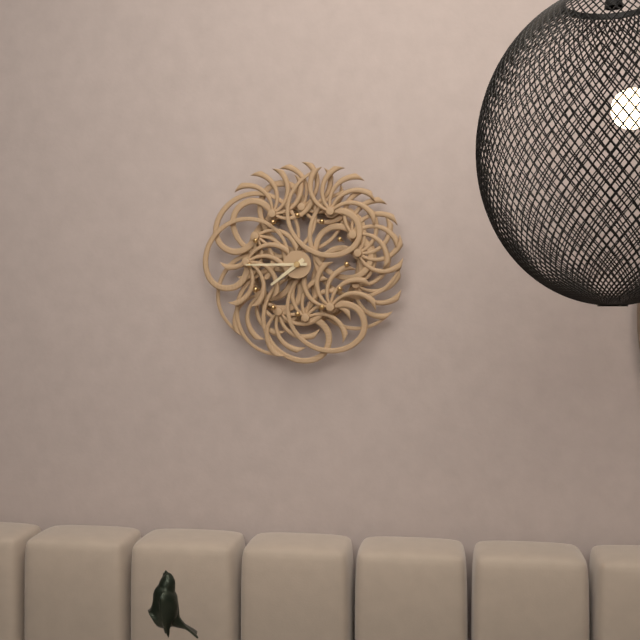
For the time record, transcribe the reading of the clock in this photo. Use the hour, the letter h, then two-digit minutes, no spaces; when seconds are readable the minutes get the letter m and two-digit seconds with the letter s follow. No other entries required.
7h45
